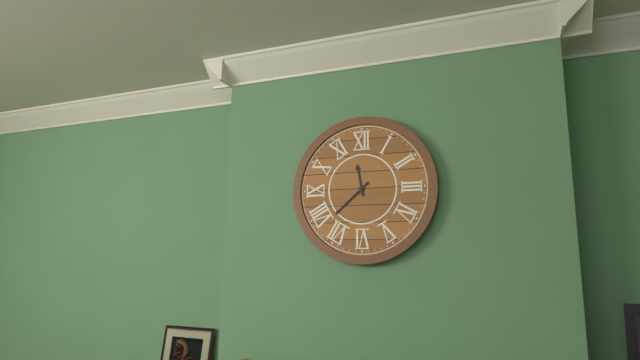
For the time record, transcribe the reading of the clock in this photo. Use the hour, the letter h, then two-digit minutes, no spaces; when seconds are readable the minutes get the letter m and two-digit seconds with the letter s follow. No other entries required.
11h38
